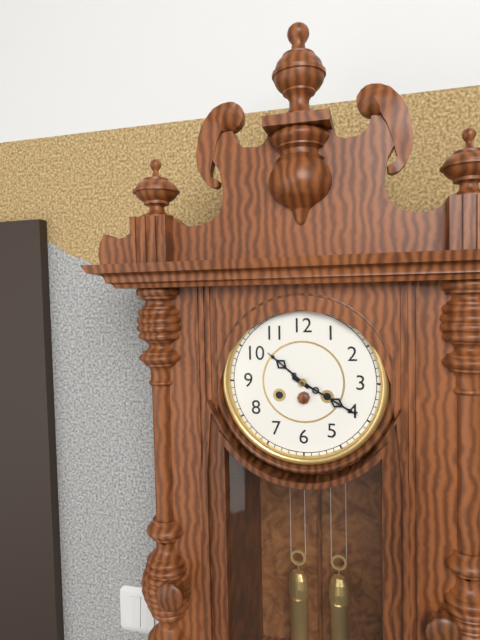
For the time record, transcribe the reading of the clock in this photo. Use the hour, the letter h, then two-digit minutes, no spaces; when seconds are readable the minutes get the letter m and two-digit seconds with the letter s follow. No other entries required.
10h20
